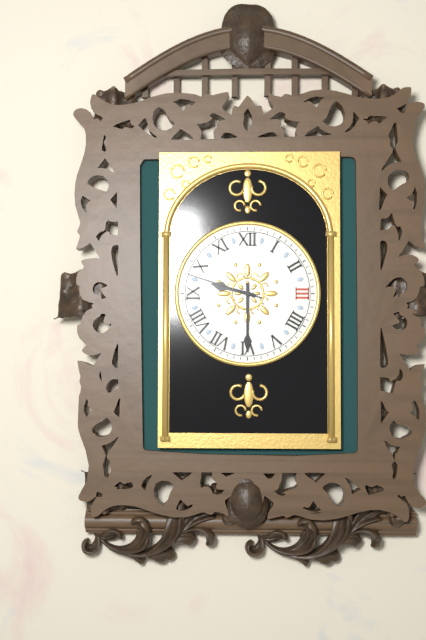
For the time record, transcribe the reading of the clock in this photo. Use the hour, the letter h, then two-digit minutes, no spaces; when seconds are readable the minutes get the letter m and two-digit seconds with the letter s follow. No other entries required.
9h30m48s
